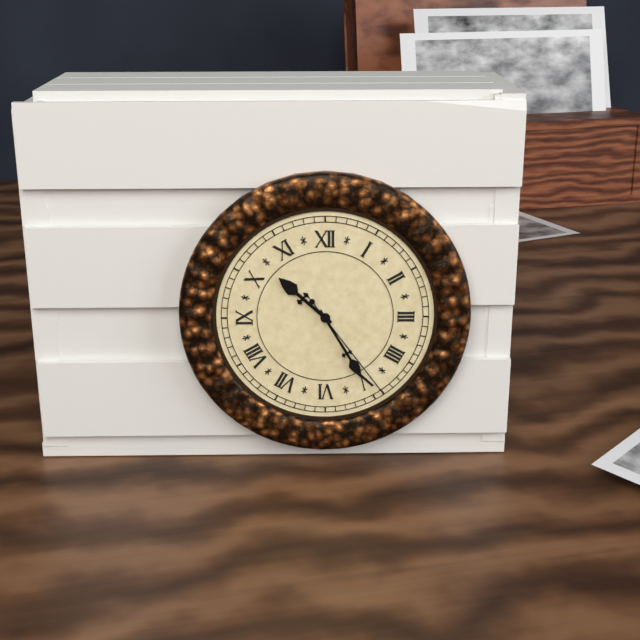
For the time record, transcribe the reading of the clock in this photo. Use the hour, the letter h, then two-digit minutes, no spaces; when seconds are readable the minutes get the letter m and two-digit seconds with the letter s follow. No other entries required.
10h25m24s
